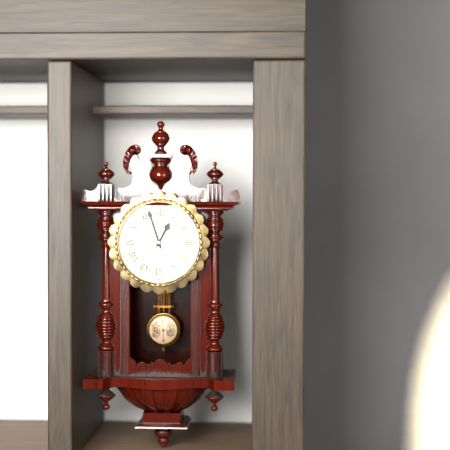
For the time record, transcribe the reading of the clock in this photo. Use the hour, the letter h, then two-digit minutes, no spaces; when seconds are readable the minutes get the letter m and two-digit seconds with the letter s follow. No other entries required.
12h57
